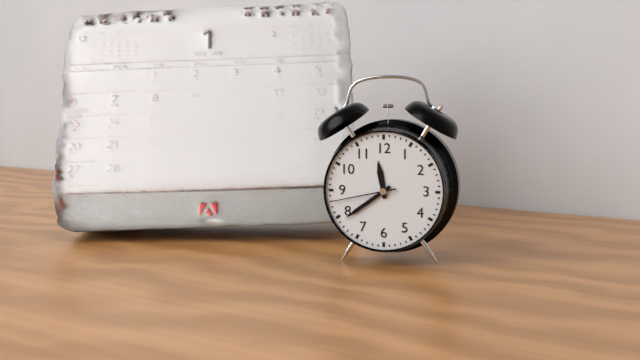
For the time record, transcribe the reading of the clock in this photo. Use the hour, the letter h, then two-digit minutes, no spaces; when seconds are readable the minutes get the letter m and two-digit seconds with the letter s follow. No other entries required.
11h39m43s
